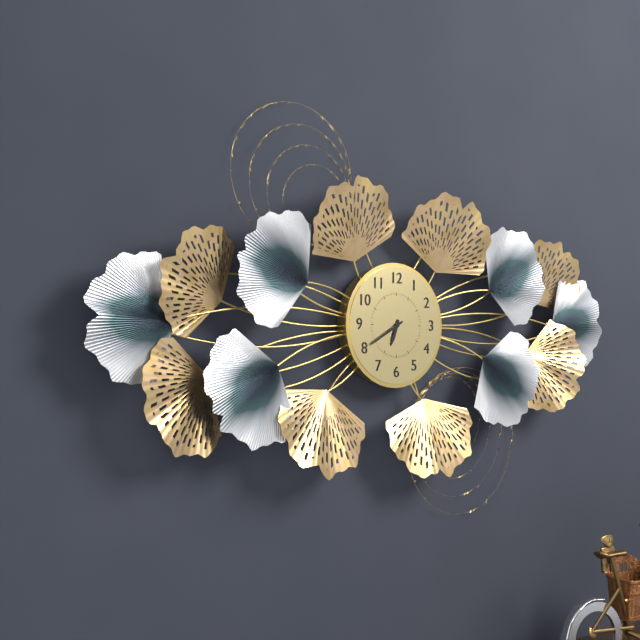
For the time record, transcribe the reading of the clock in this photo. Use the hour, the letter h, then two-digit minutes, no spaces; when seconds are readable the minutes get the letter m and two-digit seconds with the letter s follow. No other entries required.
6h40
